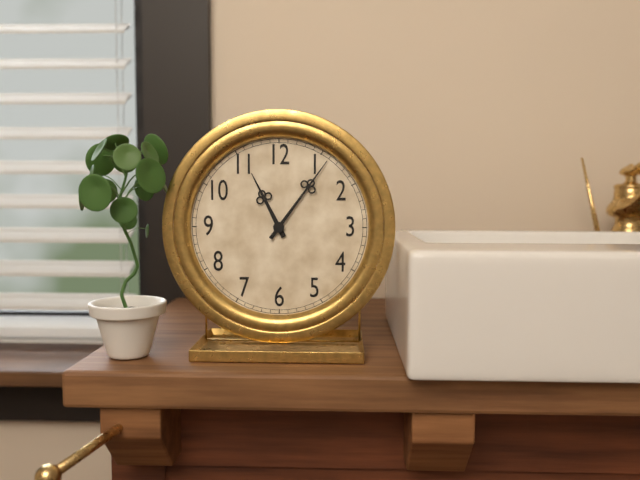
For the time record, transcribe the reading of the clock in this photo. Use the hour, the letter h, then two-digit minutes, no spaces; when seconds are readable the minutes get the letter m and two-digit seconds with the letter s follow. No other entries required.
11h06
